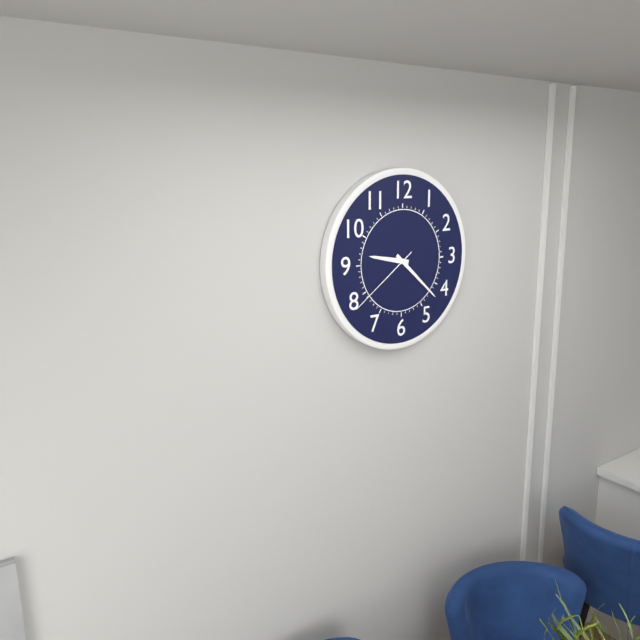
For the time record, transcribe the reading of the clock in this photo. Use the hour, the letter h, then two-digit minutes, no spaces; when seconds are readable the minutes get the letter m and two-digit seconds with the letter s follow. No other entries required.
9h22m39s
